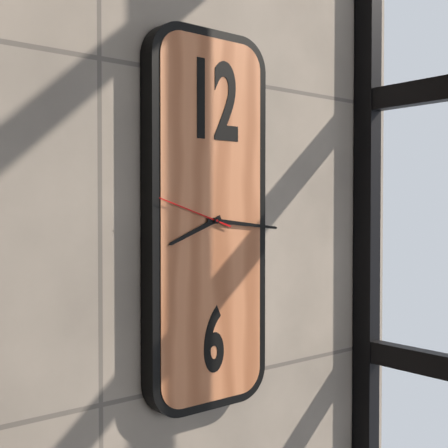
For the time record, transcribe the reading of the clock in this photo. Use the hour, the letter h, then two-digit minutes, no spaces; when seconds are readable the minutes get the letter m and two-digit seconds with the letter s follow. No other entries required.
8h16m48s
